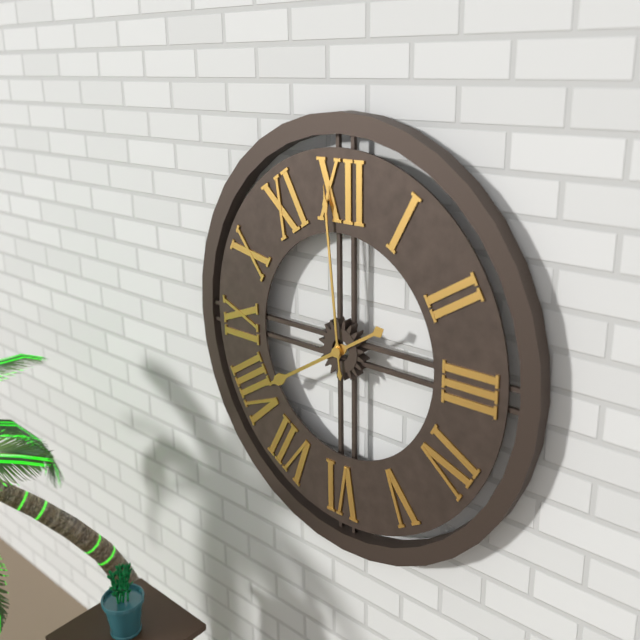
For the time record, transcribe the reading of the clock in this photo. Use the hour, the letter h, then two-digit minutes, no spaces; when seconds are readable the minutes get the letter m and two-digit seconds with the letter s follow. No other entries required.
7h59
